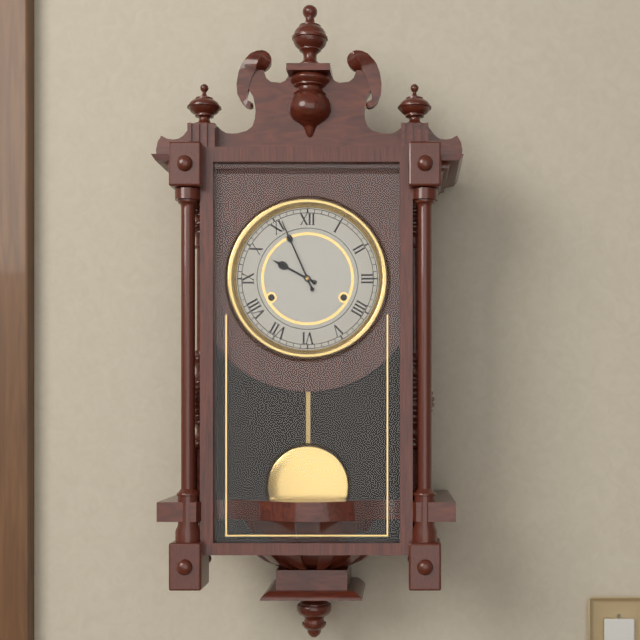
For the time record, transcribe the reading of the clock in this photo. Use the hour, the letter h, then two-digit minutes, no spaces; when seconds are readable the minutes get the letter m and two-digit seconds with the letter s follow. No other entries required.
9h56
